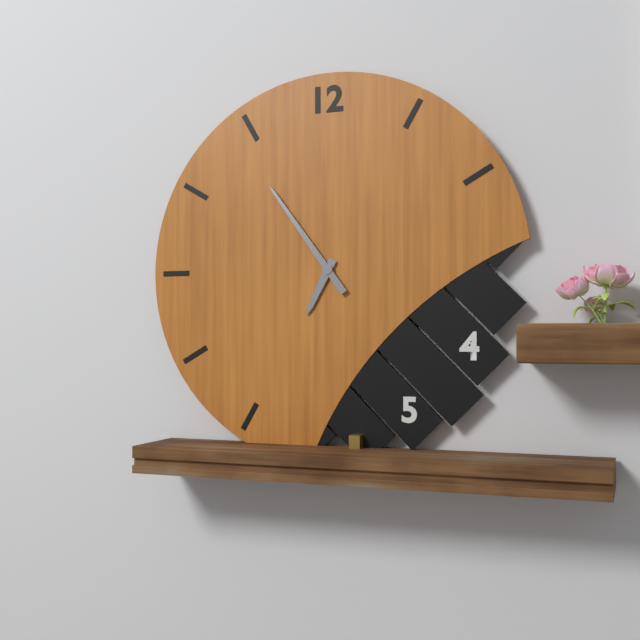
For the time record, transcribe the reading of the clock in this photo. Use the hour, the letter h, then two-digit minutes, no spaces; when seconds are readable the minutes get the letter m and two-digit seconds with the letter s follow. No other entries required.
6h54
